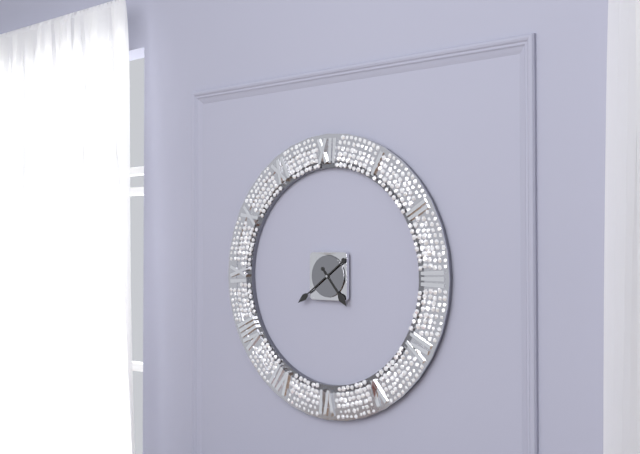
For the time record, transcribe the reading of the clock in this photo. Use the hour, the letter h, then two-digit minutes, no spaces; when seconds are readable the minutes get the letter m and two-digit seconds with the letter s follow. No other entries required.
4h39
